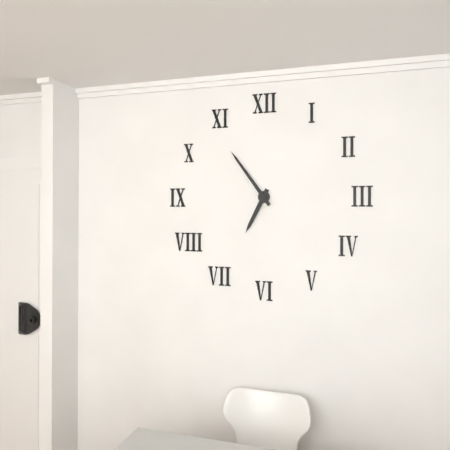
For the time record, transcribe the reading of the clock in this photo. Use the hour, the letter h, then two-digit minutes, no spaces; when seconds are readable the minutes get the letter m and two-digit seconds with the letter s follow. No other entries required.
6h54
